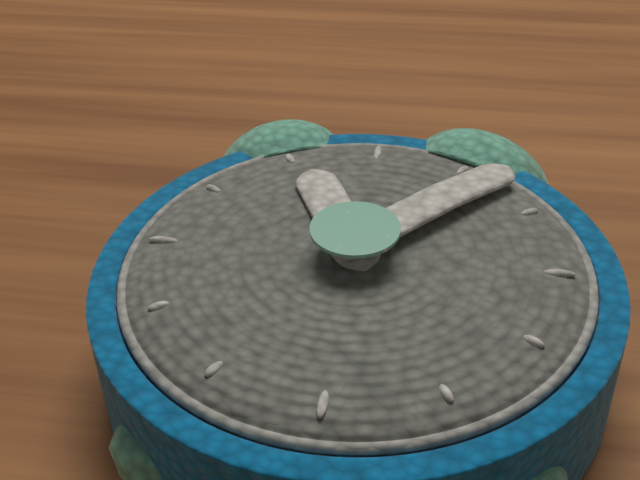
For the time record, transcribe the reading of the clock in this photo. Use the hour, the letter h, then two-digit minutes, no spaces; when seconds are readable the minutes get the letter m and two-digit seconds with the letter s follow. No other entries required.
11h07
